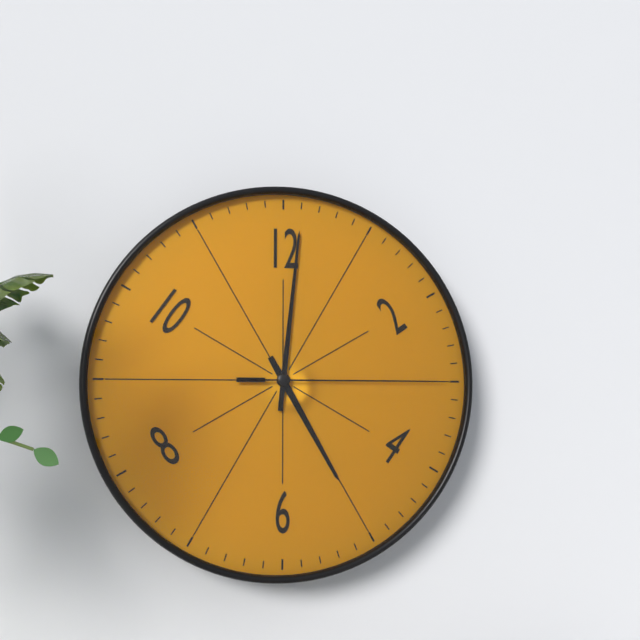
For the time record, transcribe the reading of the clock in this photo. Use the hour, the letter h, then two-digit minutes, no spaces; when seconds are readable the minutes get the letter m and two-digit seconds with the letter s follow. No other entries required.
5h01m15s
